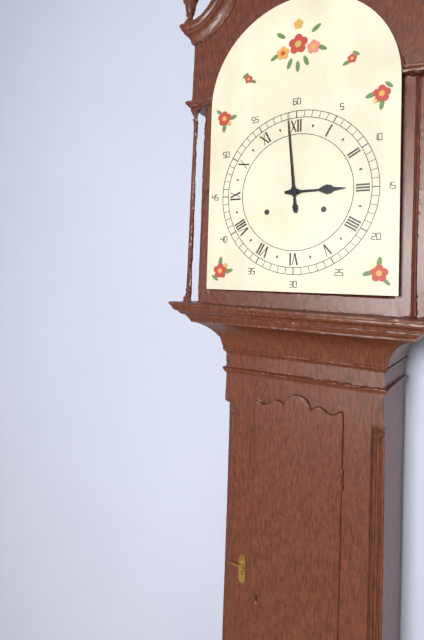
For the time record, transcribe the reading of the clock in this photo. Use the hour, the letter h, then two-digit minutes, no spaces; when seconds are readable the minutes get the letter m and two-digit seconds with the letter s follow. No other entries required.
2h59
